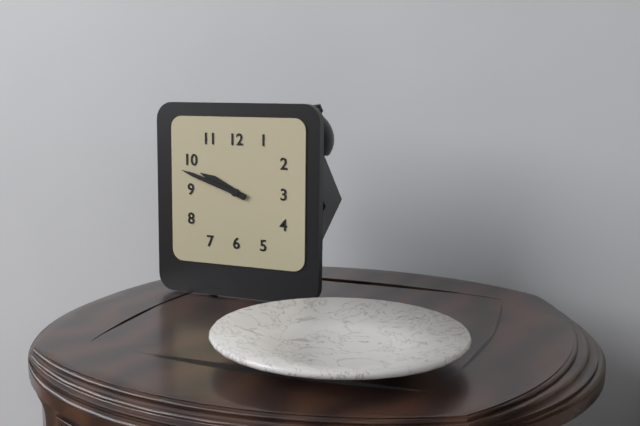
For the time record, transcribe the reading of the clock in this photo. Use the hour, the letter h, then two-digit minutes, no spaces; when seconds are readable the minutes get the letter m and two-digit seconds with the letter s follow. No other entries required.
9h48
